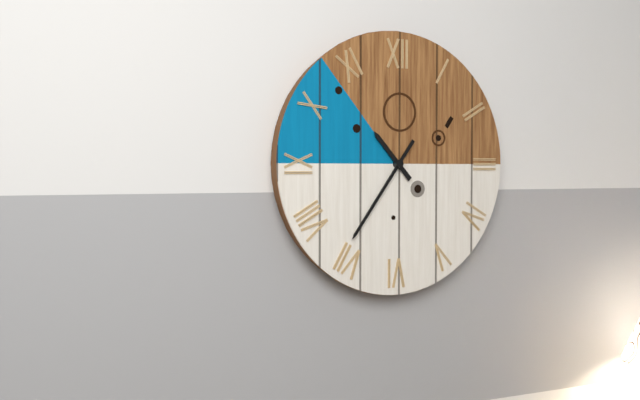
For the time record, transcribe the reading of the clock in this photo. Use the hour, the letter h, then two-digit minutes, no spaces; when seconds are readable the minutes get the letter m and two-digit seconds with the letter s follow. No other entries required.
10h36
